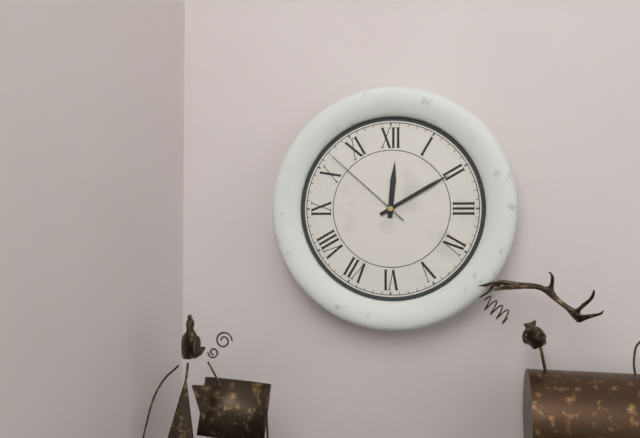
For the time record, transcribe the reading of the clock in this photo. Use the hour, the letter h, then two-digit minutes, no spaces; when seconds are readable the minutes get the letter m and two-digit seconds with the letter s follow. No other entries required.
12h10m52s
